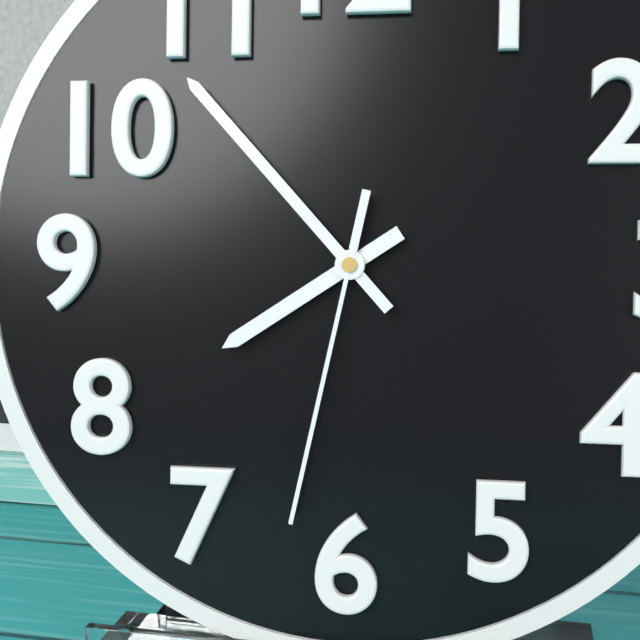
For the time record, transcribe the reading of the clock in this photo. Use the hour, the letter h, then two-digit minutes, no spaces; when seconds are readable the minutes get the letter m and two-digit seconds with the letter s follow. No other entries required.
7h53m32s
